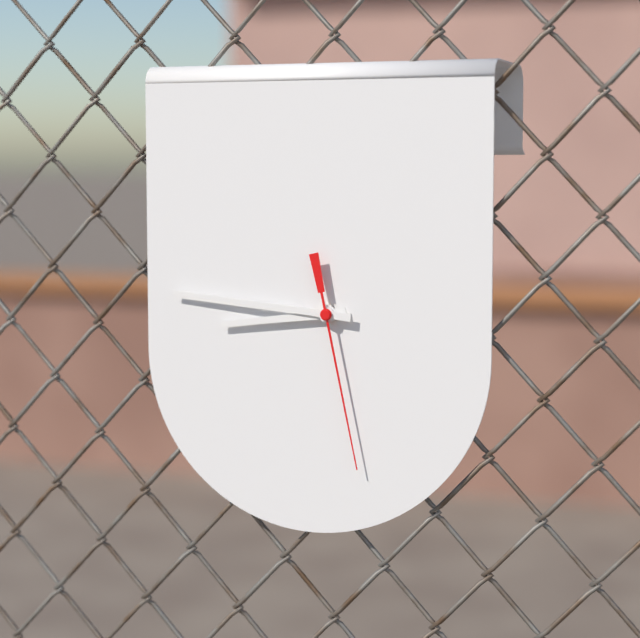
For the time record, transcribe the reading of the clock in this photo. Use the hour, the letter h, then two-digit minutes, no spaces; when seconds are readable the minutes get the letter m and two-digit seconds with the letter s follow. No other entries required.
8h46m28s
